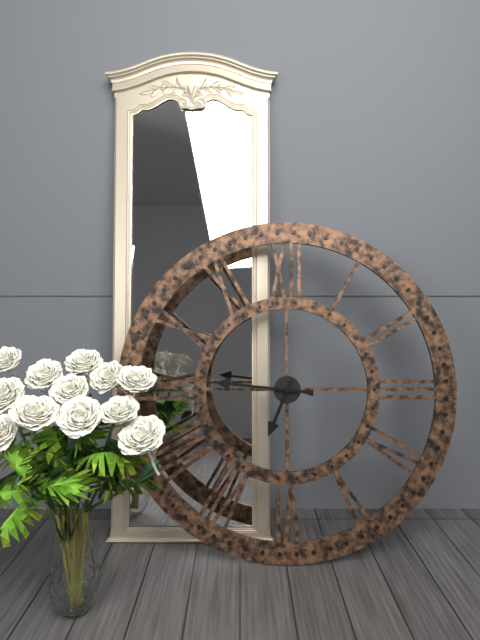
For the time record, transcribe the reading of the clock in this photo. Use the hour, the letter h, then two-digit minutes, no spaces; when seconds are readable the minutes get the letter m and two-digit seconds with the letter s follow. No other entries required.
6h46
